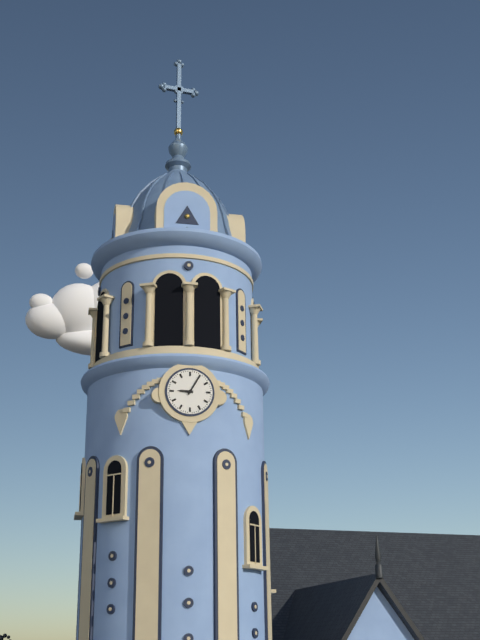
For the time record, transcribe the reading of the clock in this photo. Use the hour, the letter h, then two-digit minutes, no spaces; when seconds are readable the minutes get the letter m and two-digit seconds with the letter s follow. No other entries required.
9h05
